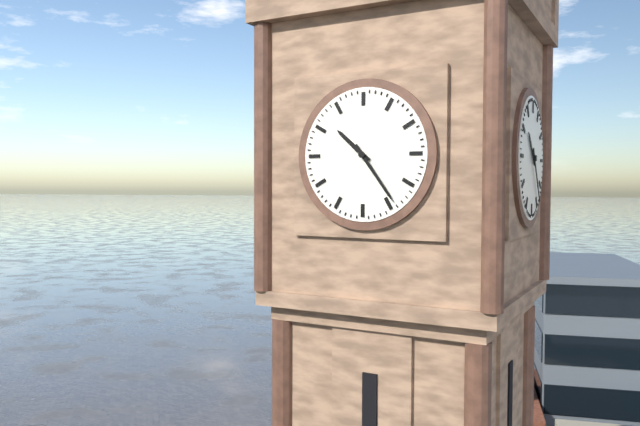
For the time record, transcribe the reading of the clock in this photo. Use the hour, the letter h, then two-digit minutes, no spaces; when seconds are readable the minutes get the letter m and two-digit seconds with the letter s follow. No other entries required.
10h24
